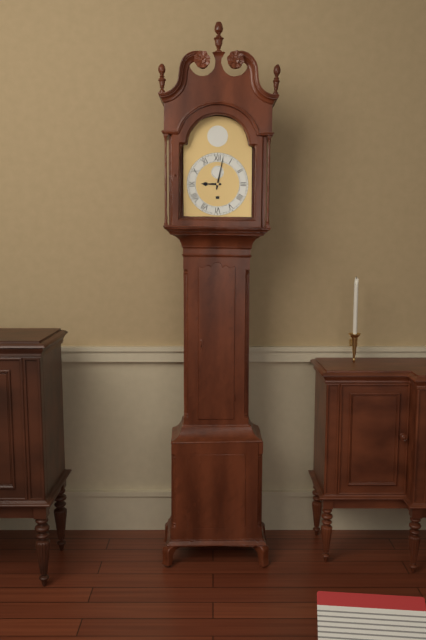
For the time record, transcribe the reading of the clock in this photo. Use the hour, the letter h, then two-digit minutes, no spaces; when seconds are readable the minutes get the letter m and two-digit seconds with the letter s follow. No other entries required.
9h02
